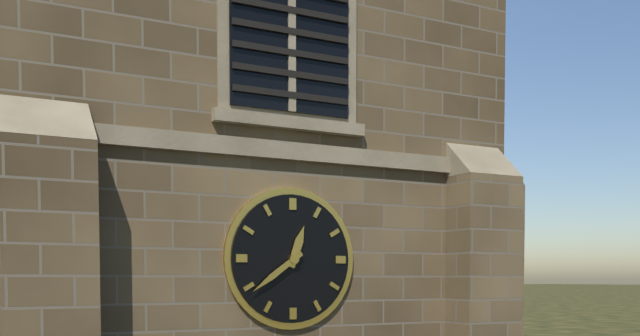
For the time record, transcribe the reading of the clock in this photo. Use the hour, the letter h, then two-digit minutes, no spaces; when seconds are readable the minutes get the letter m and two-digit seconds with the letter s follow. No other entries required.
12h39
